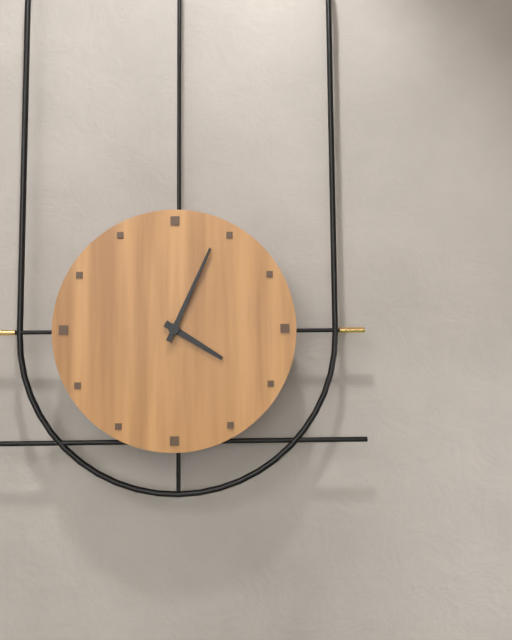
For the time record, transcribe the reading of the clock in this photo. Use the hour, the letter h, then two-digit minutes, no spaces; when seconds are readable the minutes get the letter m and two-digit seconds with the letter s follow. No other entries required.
4h04
